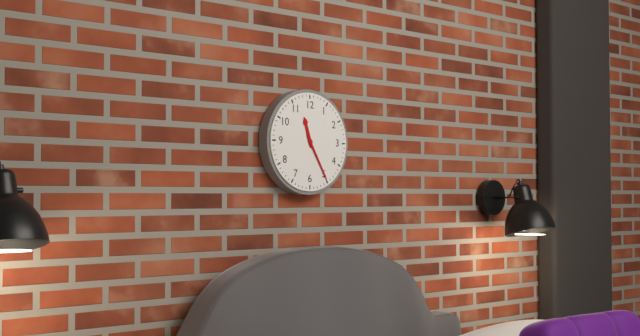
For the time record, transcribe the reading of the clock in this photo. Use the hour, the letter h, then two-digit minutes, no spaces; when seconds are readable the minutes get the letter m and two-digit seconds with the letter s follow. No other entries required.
11h25
